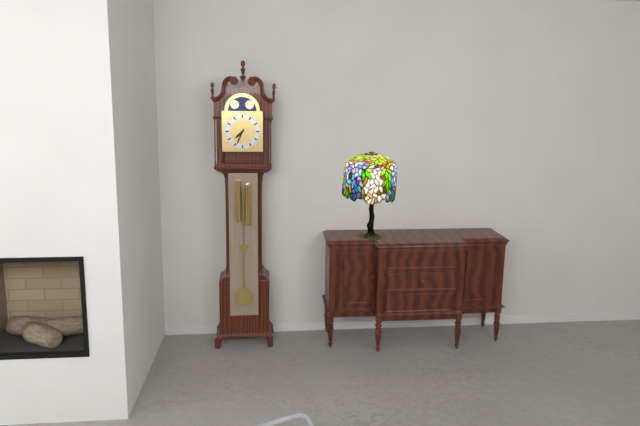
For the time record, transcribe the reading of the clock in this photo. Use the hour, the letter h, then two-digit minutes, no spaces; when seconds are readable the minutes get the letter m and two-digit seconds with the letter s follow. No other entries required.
7h34
